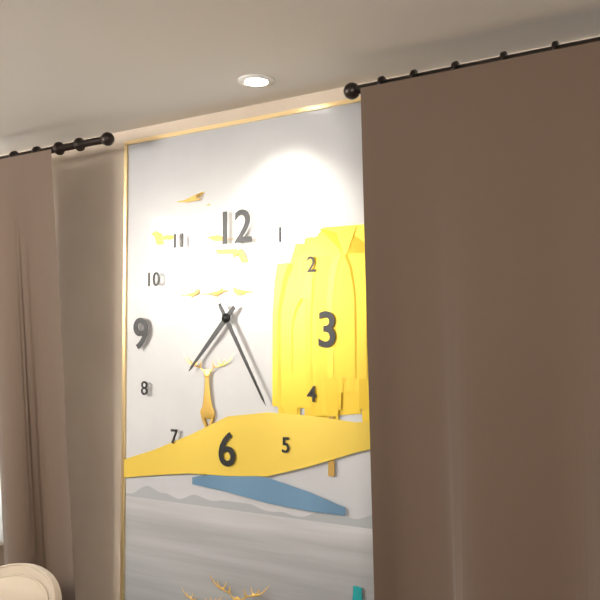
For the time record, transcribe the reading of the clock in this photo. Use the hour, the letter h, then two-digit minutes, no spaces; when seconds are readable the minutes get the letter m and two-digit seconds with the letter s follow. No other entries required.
7h25
